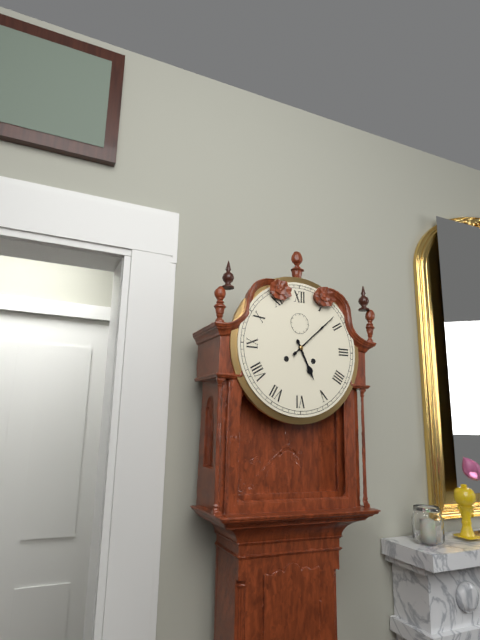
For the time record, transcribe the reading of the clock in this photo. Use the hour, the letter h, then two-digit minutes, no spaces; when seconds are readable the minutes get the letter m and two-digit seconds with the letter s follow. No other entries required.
5h08
